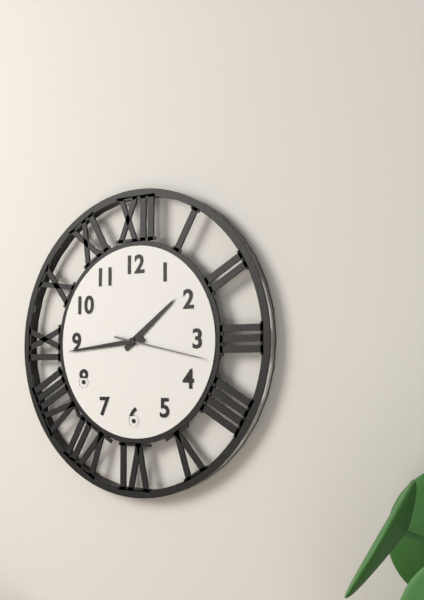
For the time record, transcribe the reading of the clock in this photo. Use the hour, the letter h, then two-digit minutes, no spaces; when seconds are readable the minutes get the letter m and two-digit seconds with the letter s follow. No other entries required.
1h44m17s
